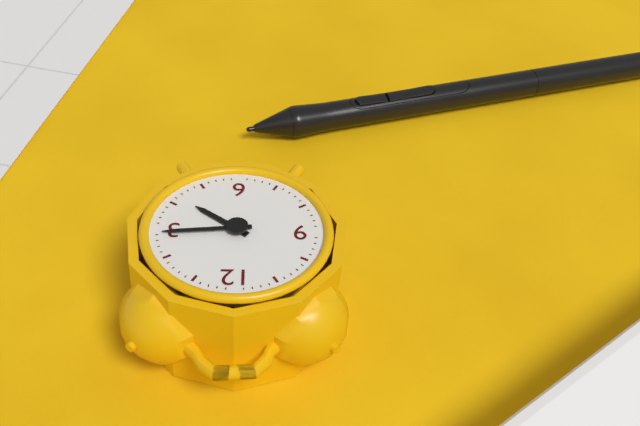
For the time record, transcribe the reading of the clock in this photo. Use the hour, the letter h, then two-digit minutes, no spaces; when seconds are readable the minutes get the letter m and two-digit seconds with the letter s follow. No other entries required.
4h14
